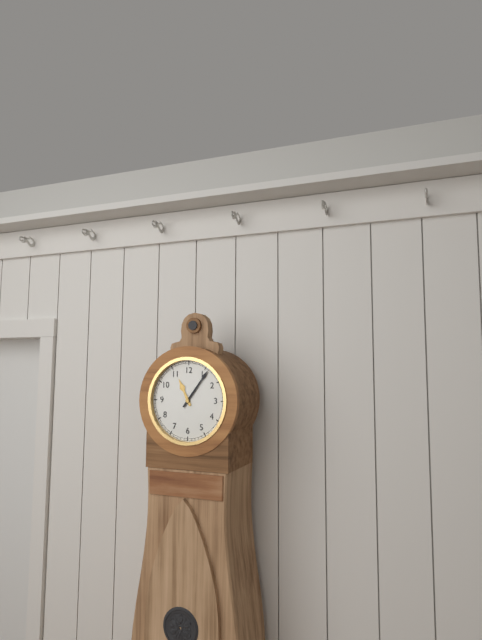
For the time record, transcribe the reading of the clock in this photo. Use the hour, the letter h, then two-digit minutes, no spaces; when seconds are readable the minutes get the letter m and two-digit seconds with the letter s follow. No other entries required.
11h06
